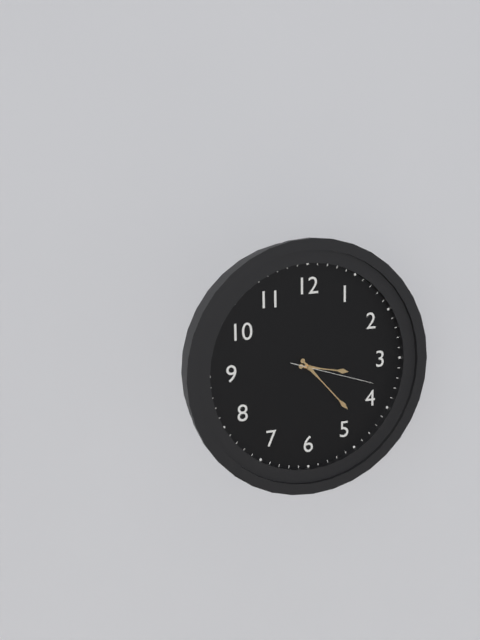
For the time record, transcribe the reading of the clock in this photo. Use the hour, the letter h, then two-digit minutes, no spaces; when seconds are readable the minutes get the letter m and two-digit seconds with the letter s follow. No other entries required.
3h23m18s
